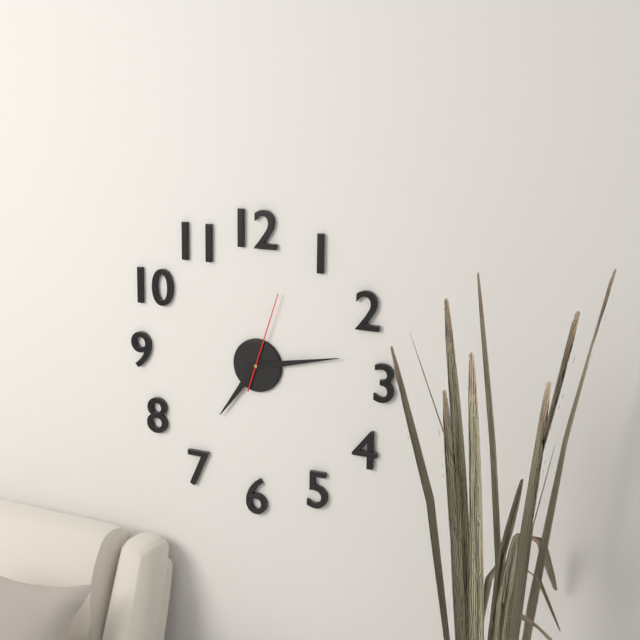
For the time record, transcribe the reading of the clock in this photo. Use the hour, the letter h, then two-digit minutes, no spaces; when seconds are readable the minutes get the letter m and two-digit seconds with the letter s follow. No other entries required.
7h13m03s
